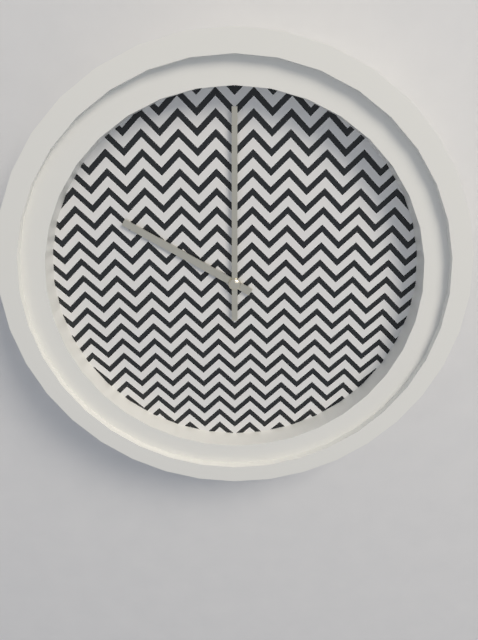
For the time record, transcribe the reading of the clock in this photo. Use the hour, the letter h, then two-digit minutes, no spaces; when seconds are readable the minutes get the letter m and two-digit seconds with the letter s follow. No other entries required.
10h00
